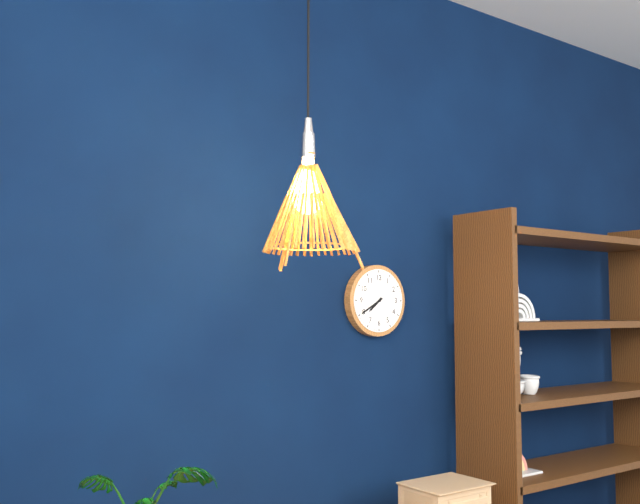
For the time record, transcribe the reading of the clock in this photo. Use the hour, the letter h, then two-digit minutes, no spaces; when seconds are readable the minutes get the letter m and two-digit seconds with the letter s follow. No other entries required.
7h40
